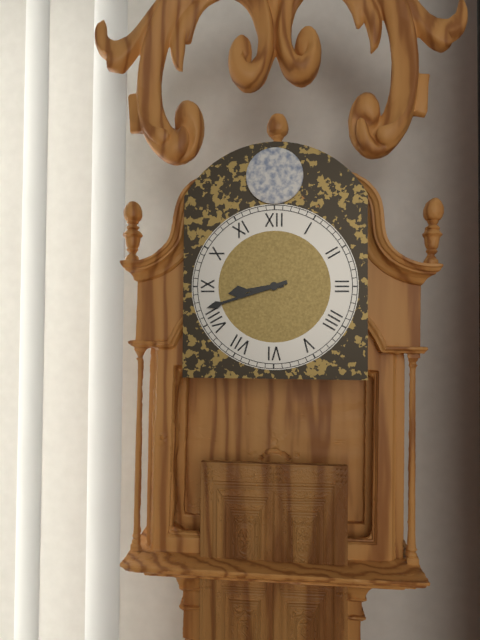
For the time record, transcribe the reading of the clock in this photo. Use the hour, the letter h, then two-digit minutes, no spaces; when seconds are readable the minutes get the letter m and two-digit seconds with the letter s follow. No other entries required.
8h42
